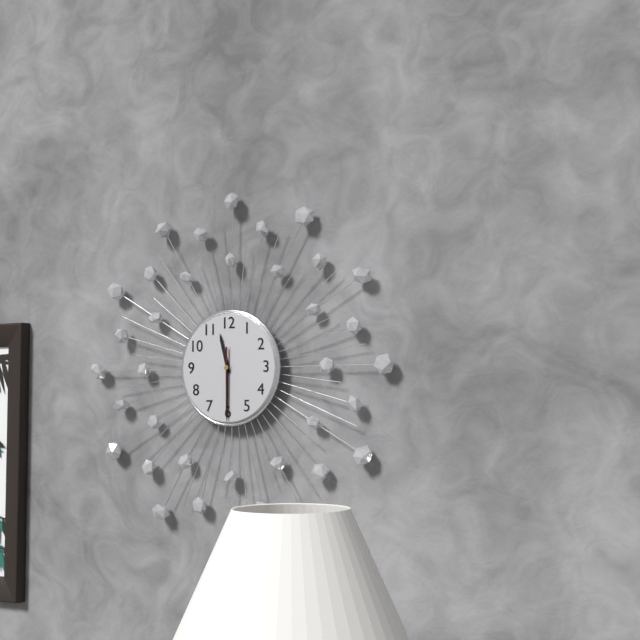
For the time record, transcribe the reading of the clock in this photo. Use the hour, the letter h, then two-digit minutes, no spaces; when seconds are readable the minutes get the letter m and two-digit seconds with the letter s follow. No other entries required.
11h30m30s
